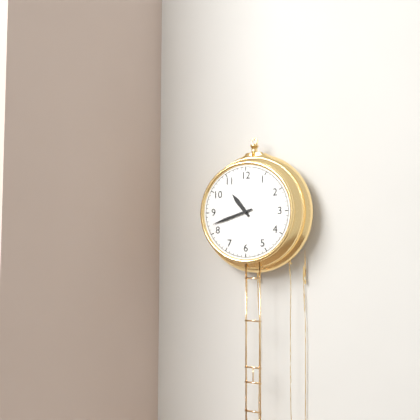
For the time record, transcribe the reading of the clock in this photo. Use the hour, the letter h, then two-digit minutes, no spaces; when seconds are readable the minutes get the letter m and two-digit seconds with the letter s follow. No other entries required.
10h42
